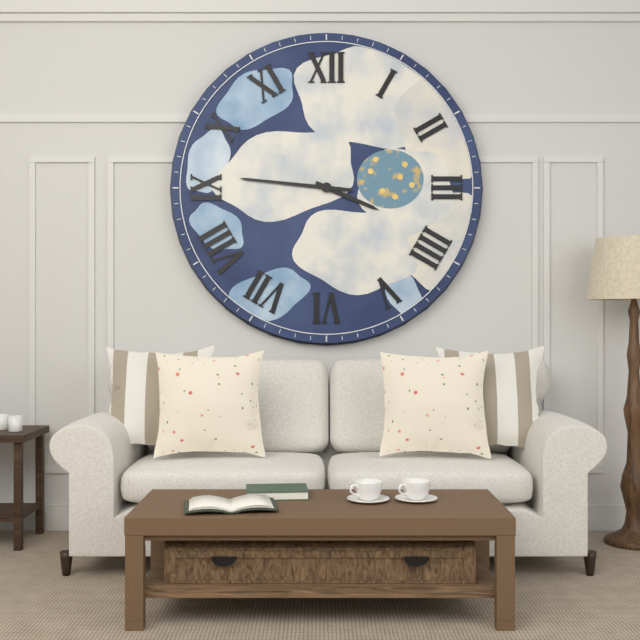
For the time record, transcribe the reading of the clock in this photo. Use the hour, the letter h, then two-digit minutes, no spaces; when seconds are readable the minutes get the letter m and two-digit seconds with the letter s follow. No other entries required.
3h46
